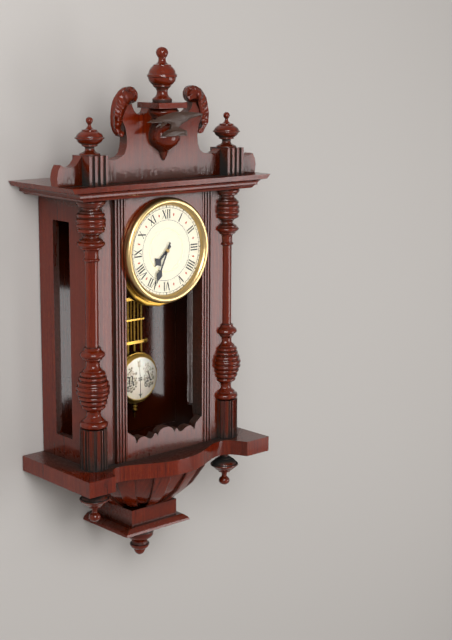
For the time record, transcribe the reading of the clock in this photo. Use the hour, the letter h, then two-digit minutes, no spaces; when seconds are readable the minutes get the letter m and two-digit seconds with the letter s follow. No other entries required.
7h34
